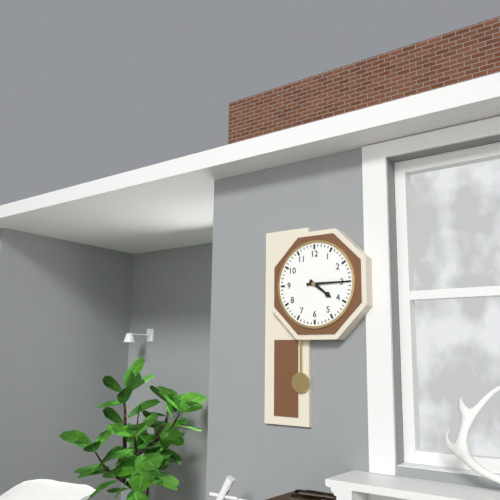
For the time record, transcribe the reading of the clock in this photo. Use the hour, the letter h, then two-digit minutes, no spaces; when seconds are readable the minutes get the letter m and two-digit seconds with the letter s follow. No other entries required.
4h15
